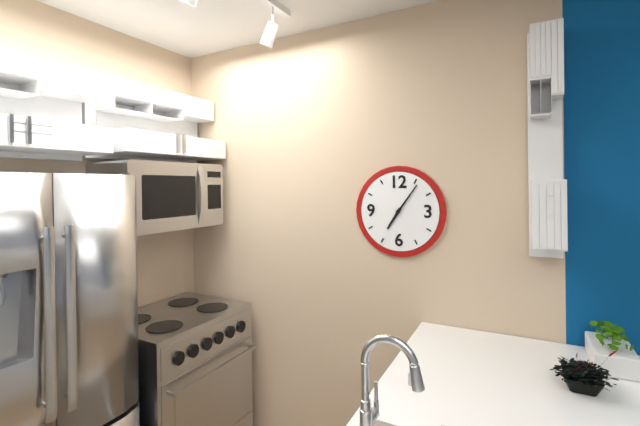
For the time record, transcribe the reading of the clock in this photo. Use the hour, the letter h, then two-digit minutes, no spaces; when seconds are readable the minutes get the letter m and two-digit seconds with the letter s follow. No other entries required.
7h06
